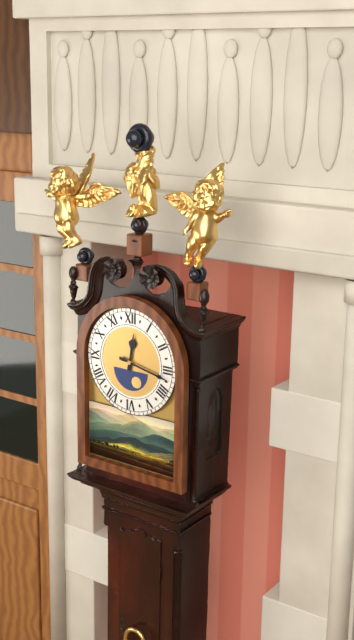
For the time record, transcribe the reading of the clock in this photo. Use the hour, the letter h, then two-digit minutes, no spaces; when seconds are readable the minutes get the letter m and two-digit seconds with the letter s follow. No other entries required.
12h17
